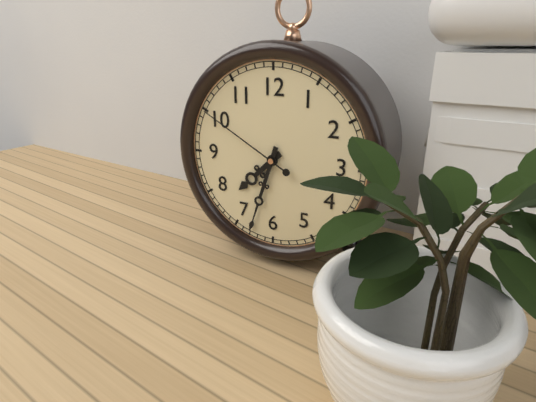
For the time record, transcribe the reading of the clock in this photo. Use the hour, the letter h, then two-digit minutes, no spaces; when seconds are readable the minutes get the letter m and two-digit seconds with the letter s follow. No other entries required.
7h33m50s
